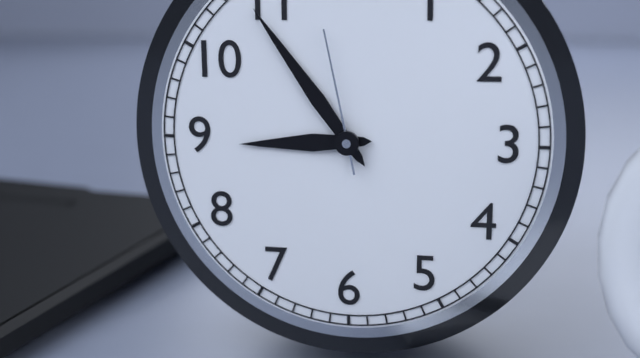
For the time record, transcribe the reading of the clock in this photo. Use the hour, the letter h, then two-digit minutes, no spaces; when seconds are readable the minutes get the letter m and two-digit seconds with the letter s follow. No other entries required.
8h54m58s
